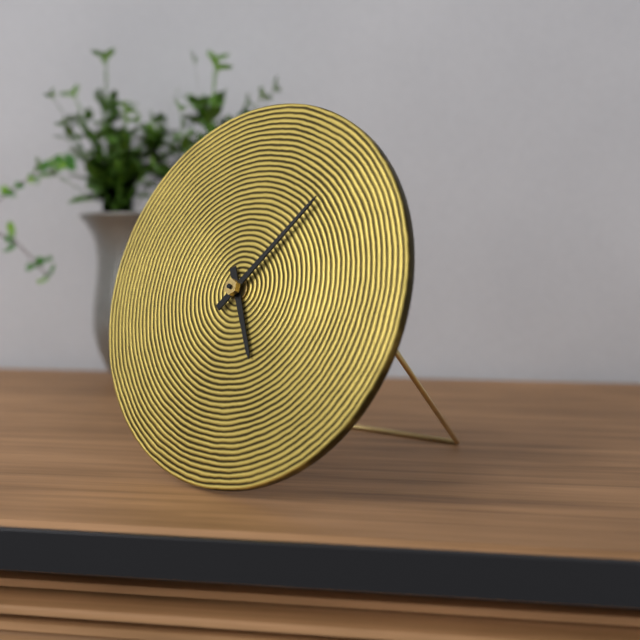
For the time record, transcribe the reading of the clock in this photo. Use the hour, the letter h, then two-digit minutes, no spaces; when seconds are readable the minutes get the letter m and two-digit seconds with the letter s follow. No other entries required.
5h07
